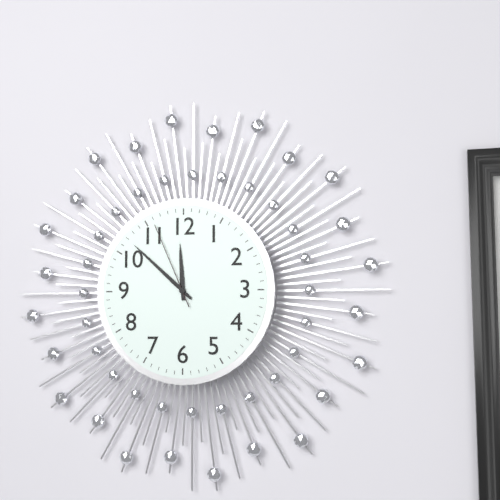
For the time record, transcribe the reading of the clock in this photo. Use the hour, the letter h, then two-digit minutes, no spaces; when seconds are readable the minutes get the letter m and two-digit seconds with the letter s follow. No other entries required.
11h52m56s
